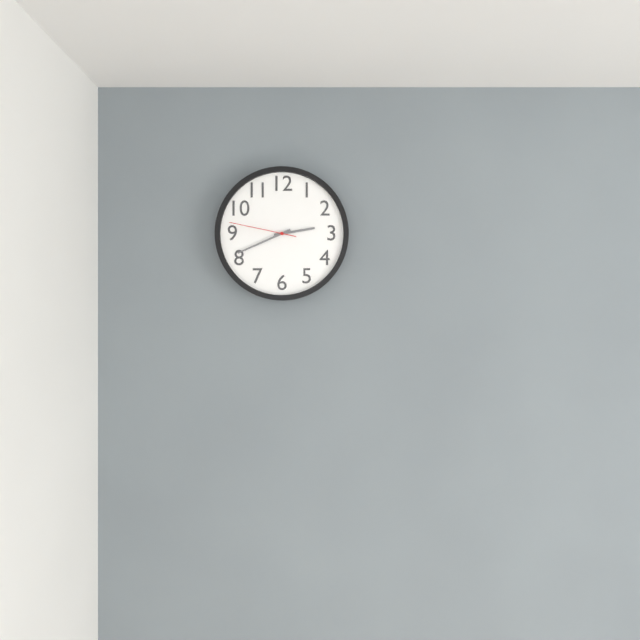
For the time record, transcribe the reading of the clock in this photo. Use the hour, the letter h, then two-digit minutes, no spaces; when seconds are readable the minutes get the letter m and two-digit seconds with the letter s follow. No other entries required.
2h41m47s
